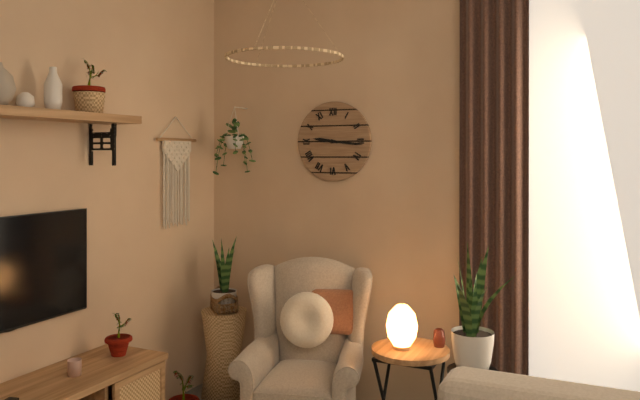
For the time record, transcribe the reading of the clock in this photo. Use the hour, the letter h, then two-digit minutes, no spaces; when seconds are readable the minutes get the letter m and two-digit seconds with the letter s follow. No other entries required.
9h16
